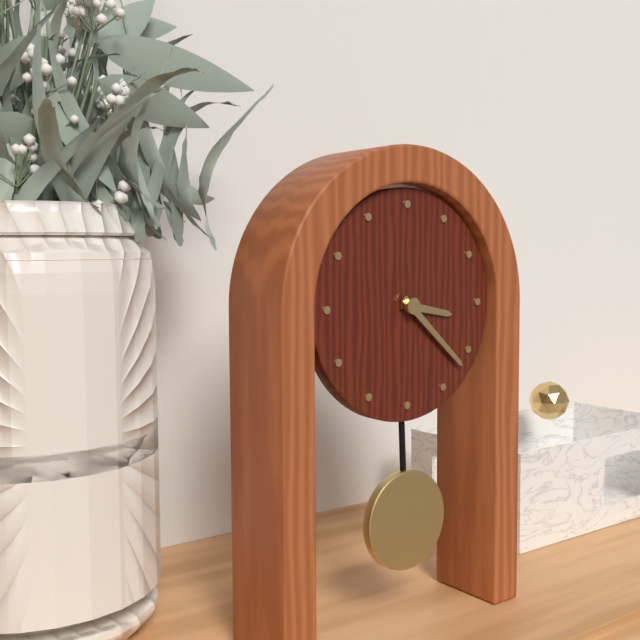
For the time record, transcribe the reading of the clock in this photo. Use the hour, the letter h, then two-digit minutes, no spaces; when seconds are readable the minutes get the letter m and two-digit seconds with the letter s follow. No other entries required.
3h22
